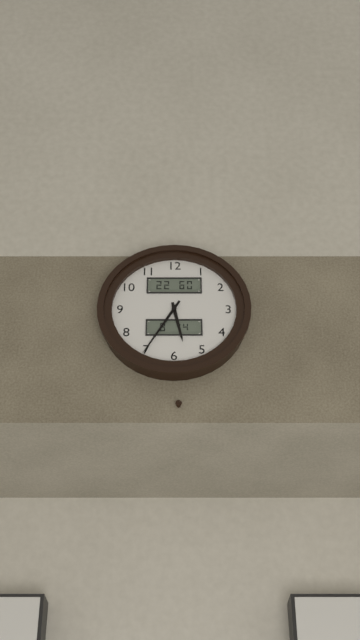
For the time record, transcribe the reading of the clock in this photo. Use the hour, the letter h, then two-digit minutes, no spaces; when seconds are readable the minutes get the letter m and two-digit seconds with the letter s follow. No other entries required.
5h35
